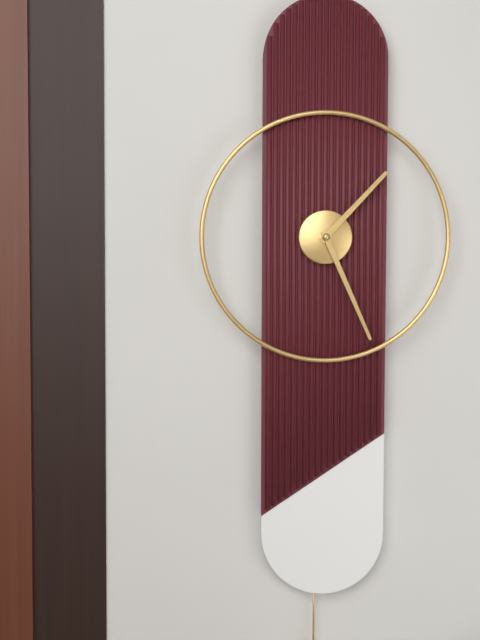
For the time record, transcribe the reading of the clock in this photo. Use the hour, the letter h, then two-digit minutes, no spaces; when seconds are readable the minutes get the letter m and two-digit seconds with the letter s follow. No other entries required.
1h26
